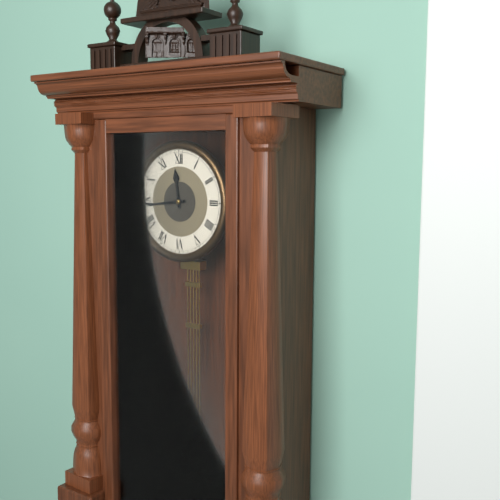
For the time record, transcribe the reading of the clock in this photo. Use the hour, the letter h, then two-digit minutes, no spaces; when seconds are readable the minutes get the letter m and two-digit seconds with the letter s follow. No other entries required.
11h44
